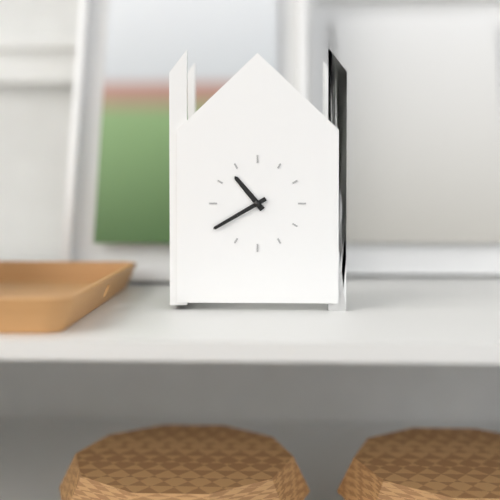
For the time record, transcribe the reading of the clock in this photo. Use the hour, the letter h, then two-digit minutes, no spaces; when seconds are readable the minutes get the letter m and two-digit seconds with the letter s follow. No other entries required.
10h40
